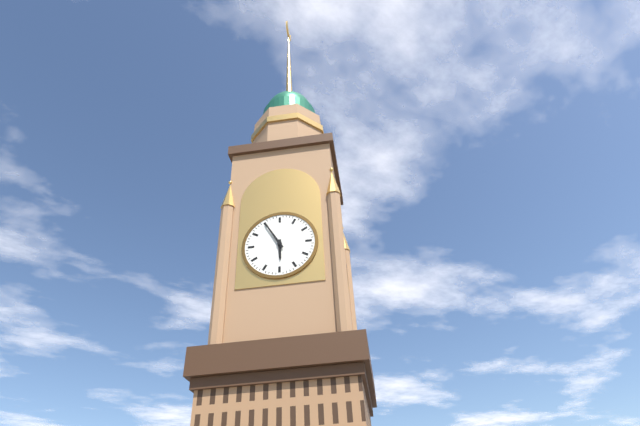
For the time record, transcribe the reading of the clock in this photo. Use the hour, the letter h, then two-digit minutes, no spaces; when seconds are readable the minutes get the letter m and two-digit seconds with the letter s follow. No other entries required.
5h55
